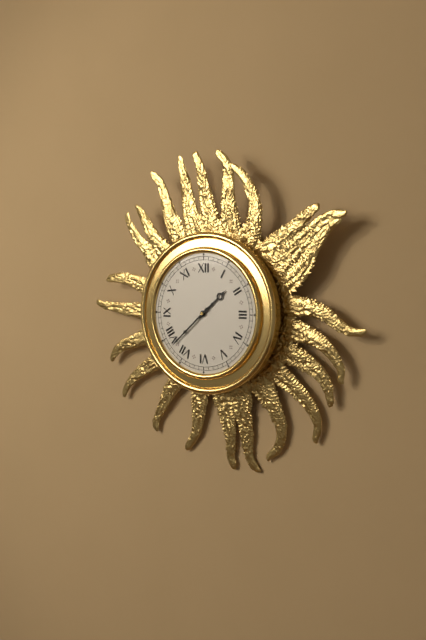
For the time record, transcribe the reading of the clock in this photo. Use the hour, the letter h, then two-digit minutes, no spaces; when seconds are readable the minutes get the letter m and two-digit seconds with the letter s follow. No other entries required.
1h38
